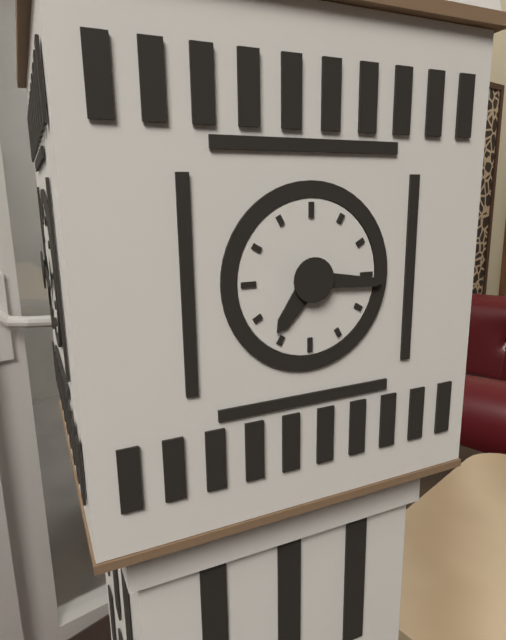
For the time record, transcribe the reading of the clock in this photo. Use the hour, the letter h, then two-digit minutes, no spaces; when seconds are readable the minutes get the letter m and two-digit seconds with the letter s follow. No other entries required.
7h16
